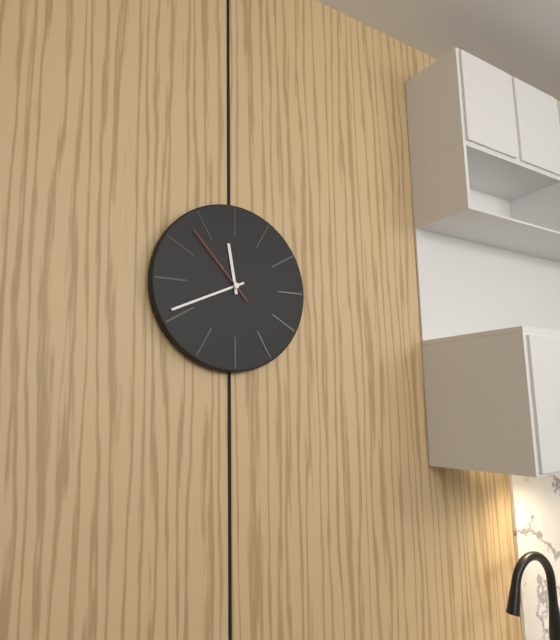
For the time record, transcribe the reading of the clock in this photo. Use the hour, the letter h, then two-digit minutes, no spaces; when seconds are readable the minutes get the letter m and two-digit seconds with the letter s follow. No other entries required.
11h41m53s
